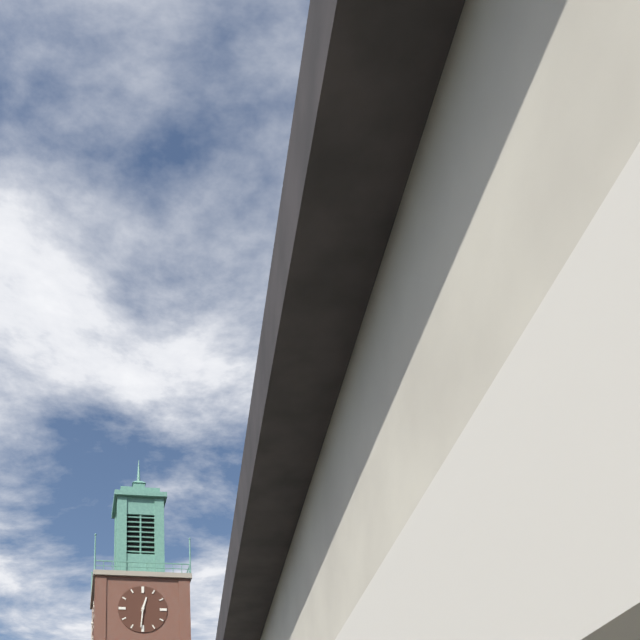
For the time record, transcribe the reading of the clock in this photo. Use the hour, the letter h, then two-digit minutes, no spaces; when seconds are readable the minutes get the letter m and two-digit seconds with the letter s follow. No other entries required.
12h31
